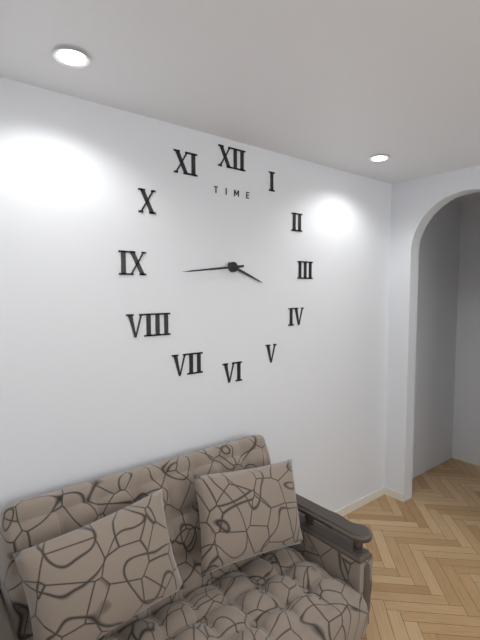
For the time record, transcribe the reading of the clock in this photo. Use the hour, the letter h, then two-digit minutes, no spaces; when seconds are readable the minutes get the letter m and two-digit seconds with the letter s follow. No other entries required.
3h44
